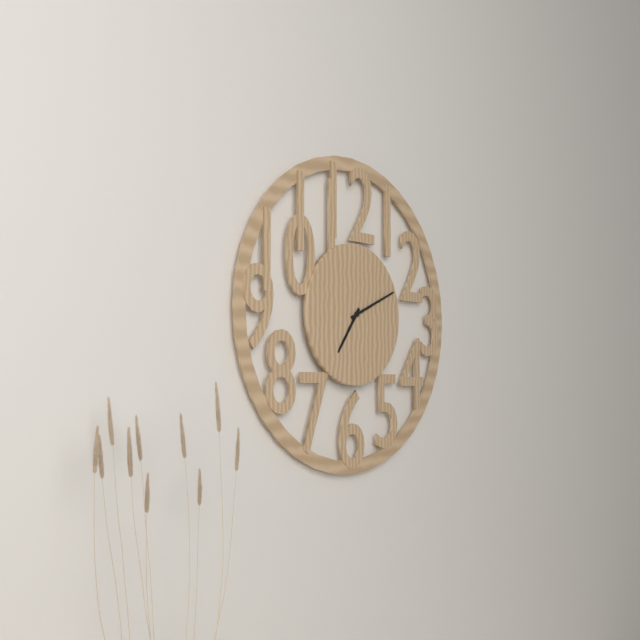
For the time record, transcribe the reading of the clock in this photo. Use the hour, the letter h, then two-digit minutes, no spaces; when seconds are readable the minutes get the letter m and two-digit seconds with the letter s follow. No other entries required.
7h11
